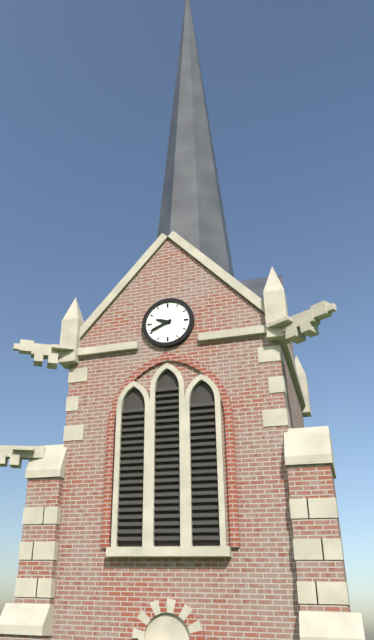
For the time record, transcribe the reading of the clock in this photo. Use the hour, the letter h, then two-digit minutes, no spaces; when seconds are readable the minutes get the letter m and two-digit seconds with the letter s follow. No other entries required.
9h41
